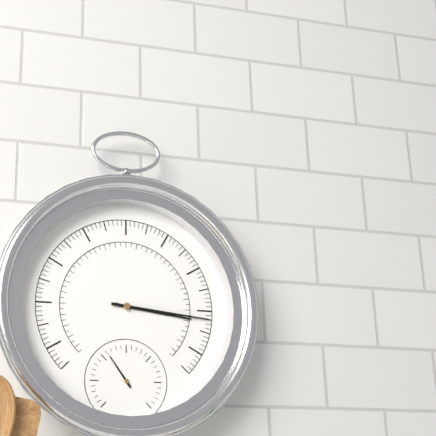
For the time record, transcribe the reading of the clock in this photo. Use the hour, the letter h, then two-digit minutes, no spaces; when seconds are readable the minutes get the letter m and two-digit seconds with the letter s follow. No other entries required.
3h16
